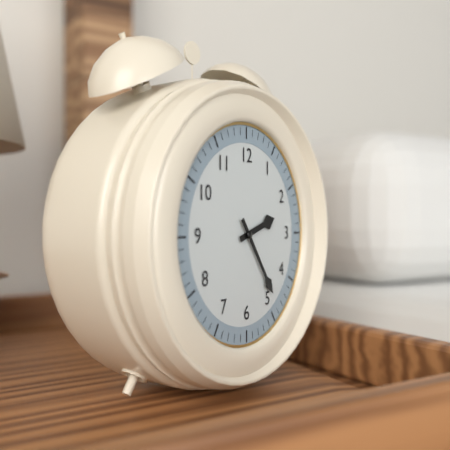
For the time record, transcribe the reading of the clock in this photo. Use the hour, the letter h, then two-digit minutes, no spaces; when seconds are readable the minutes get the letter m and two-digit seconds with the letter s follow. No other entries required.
2h24
